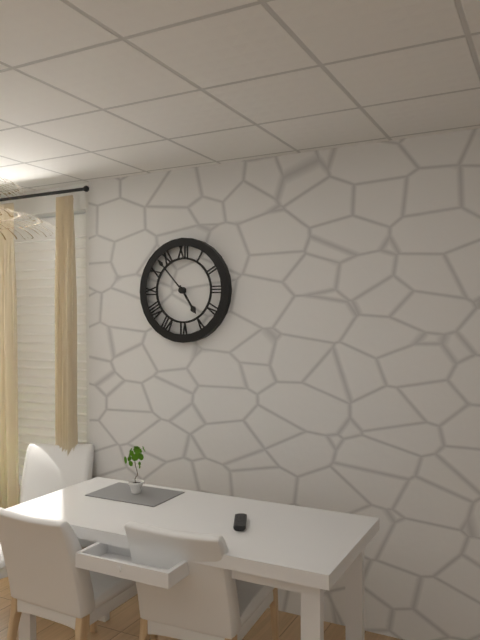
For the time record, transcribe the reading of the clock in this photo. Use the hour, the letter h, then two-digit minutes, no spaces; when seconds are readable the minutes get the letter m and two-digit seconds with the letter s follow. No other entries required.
4h53
